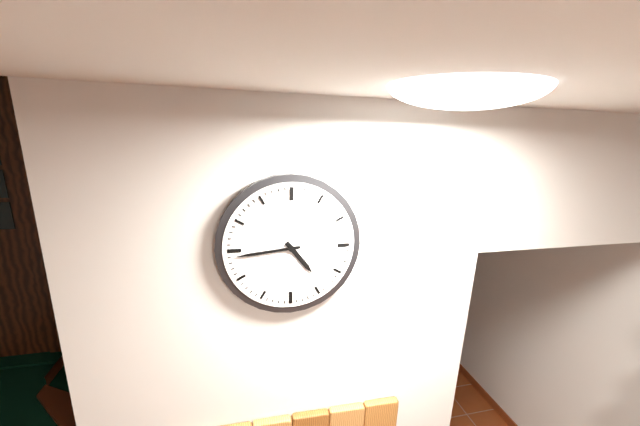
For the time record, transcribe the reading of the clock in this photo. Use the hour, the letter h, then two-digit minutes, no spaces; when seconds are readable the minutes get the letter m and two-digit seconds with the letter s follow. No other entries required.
4h44
